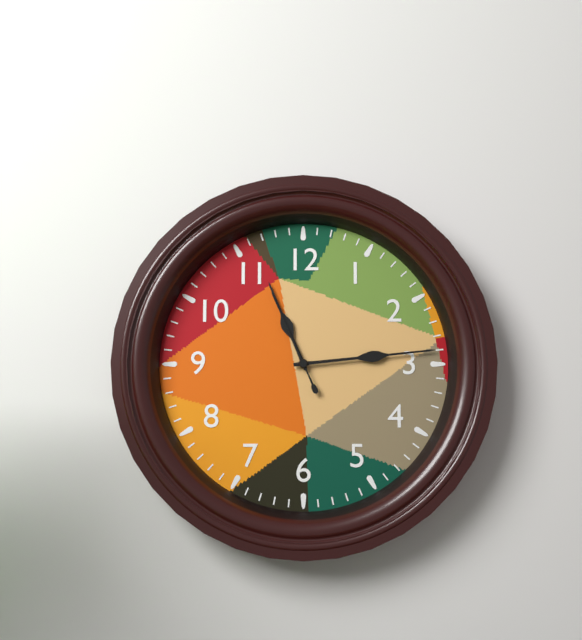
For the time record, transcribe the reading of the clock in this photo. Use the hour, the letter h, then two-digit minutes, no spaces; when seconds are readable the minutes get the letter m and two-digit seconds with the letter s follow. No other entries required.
11h14m56s
